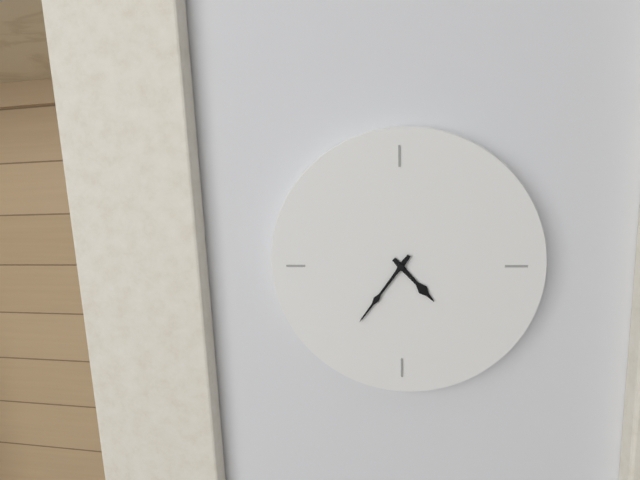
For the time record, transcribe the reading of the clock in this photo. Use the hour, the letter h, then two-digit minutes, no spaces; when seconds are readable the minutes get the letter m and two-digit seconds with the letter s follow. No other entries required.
4h36
